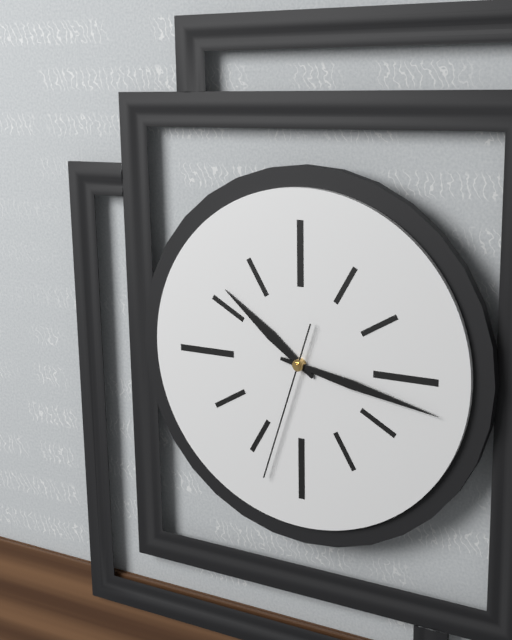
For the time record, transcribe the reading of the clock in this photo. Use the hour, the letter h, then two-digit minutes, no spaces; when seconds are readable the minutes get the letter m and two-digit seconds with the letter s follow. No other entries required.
10h17m33s
